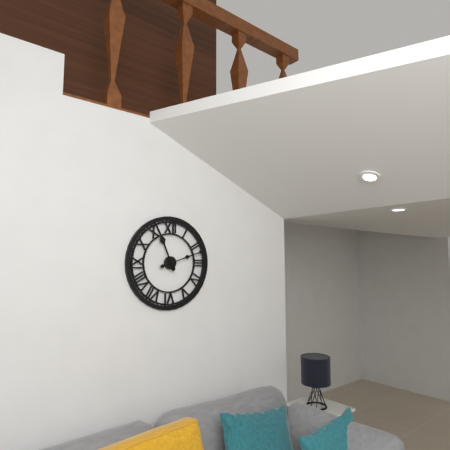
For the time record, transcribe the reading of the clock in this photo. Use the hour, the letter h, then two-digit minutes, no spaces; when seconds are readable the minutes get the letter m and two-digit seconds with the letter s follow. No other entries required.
11h12
